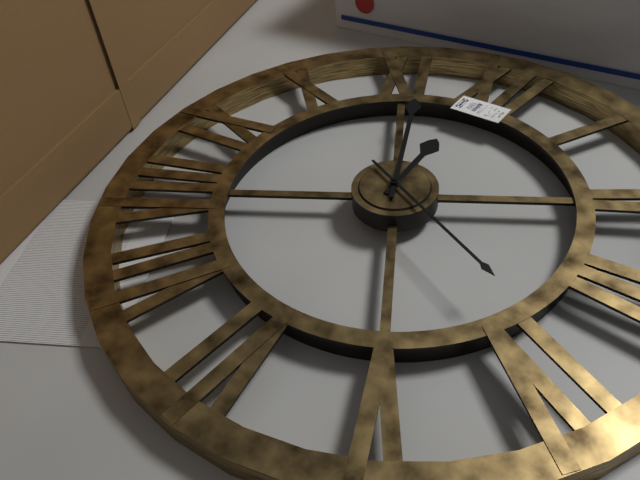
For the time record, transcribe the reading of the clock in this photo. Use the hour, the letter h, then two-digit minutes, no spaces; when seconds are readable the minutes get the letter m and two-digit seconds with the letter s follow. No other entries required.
11h56m19s
